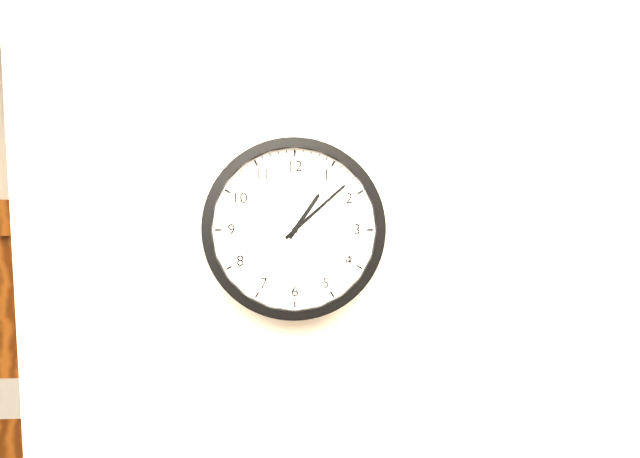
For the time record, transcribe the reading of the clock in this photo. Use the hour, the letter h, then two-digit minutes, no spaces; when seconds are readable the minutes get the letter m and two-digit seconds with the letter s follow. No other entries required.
1h08
